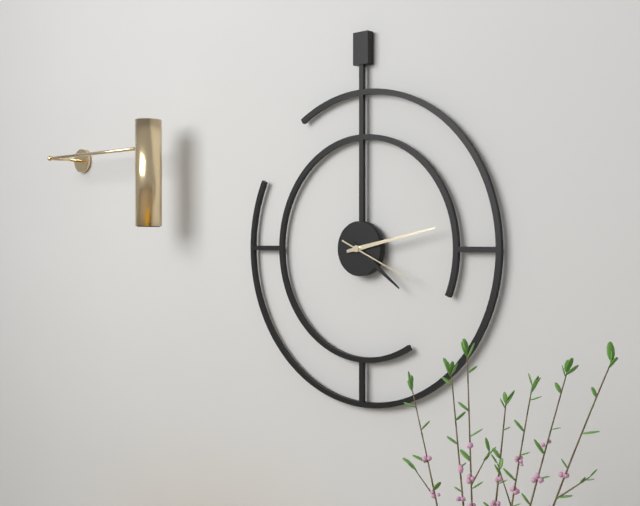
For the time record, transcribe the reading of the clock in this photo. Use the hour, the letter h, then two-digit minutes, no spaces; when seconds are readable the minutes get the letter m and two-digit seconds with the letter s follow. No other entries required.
4h13m19s
